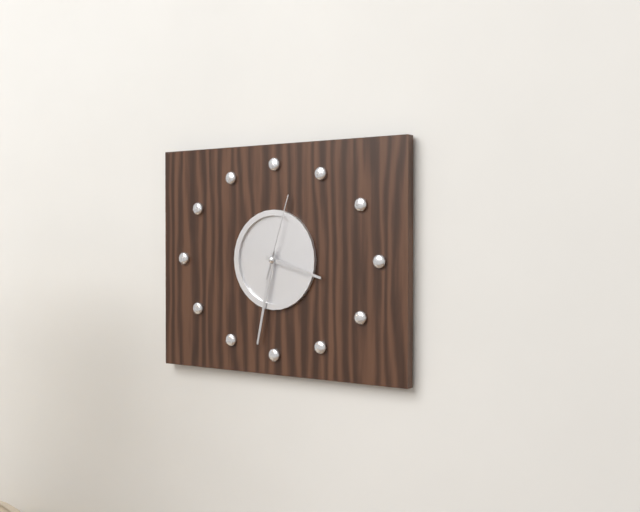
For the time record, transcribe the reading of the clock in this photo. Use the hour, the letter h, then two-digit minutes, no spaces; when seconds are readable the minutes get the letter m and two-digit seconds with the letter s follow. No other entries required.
3h32m03s
